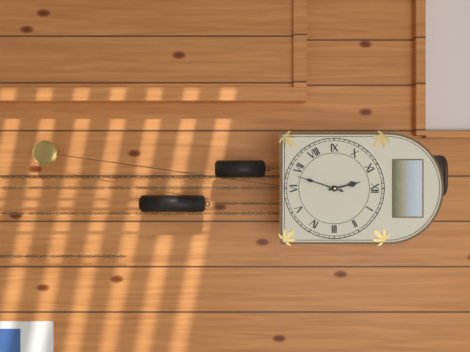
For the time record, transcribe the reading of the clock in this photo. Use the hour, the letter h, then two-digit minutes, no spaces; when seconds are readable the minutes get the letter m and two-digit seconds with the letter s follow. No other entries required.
11h33
